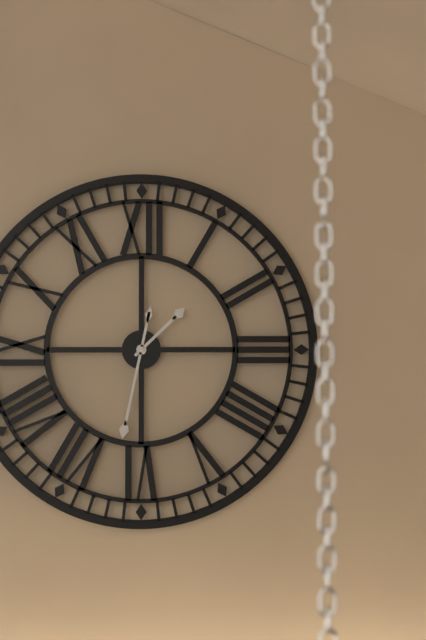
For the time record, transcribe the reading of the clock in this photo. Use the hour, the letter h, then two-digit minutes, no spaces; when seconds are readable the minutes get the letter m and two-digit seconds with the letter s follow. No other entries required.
1h32
